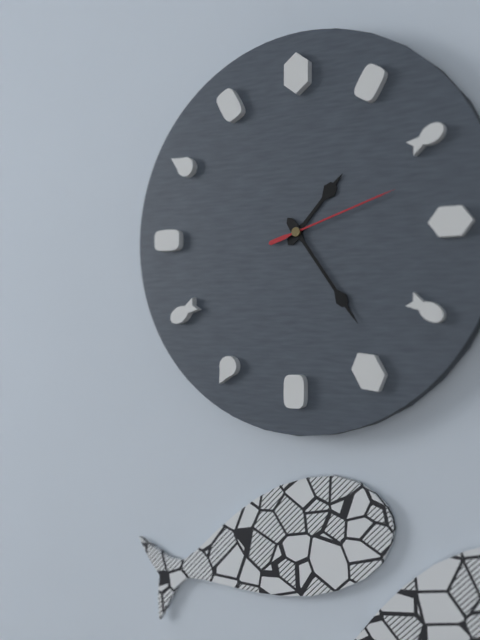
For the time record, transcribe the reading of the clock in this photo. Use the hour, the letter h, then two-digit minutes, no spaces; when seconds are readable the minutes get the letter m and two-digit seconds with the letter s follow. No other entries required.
1h24m12s
